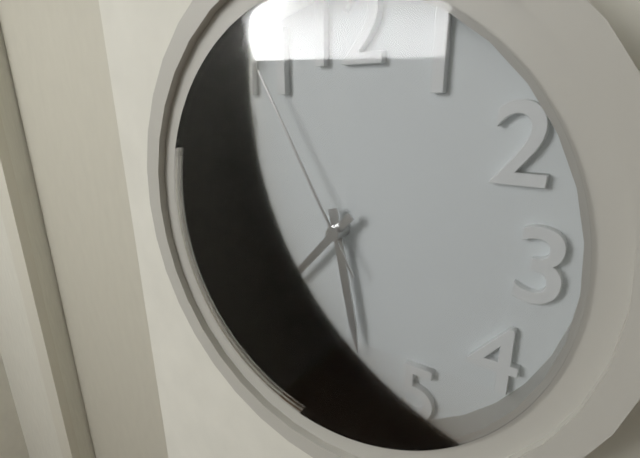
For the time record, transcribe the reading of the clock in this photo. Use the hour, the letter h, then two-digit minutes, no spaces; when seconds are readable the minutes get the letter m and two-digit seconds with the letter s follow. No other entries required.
5h37m55s
